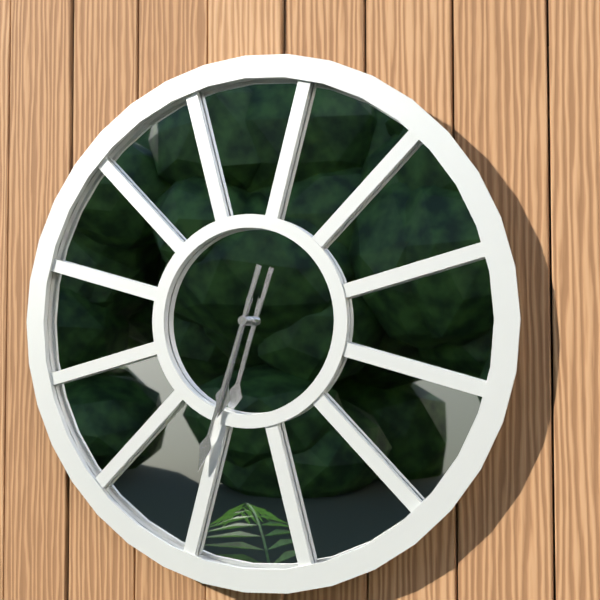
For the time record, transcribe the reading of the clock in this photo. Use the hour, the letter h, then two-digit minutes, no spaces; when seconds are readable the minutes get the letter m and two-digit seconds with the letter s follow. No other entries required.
6h33
